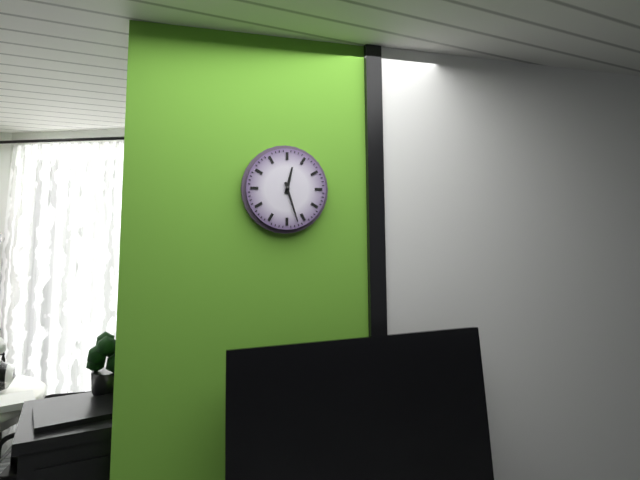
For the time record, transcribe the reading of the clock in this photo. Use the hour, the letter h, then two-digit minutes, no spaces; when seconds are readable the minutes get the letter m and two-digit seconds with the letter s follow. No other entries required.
12h27
